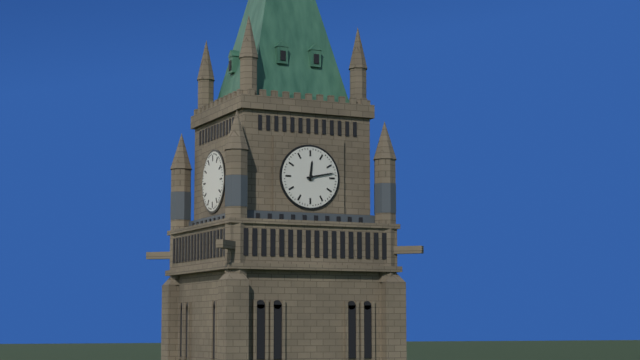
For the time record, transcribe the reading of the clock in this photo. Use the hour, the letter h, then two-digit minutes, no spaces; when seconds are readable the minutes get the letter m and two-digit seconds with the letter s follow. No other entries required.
12h13
